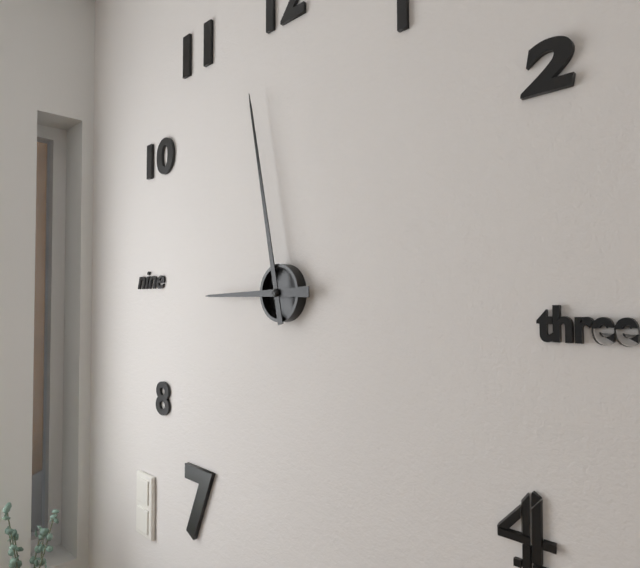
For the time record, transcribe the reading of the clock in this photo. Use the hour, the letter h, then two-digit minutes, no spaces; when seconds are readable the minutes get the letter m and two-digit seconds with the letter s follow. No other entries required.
8h58
